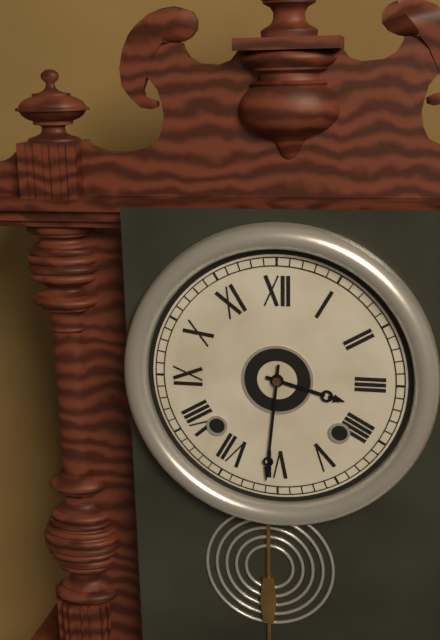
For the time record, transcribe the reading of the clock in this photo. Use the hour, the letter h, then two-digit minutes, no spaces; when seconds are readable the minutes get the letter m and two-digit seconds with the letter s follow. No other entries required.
3h31
